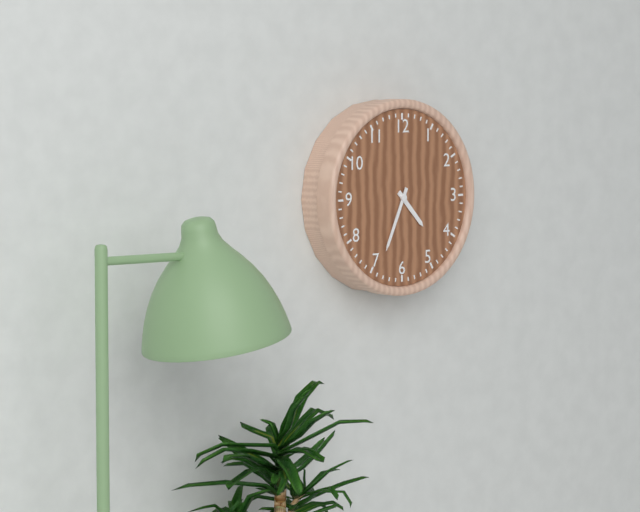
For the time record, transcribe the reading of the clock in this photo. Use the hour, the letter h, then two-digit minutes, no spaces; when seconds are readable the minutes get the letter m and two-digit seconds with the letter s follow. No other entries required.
4h34
